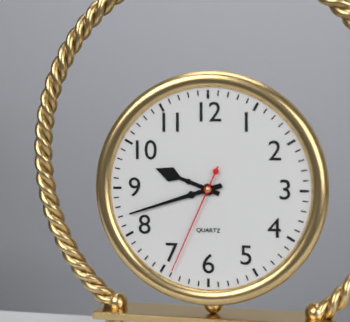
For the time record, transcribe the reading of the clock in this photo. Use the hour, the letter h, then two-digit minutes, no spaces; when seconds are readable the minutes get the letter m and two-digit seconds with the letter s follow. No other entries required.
9h42m34s
